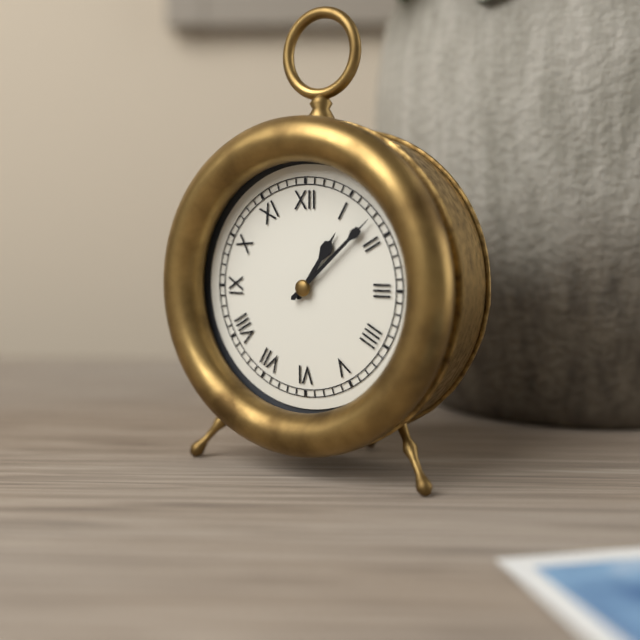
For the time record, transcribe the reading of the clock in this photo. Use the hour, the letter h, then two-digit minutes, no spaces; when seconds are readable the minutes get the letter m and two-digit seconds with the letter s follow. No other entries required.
1h08
